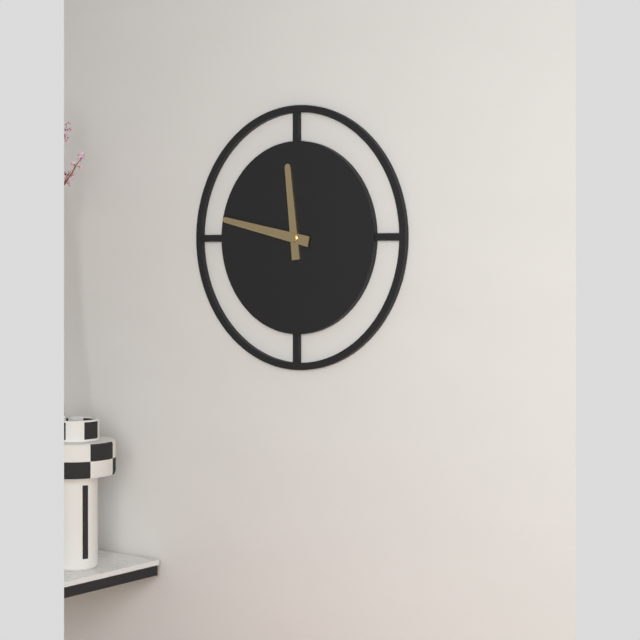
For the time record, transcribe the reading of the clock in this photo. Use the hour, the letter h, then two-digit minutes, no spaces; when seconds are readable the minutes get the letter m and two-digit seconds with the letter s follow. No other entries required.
11h47
